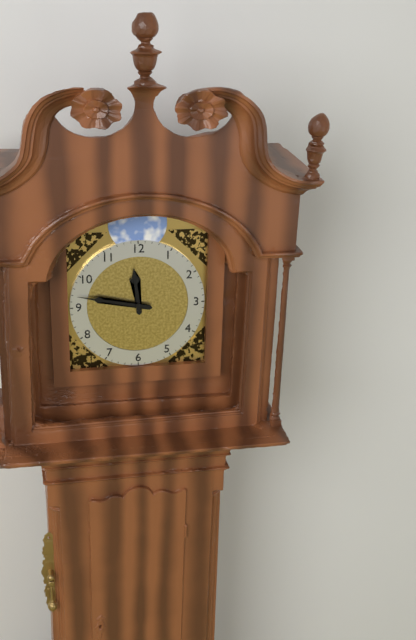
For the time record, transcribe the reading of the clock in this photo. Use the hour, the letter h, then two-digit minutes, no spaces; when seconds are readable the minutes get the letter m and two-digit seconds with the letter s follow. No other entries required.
11h47
